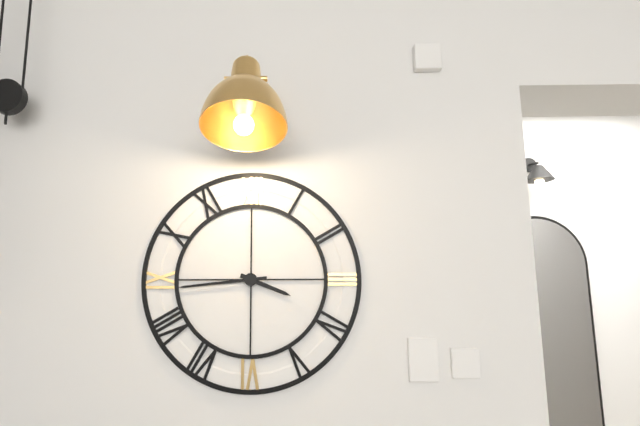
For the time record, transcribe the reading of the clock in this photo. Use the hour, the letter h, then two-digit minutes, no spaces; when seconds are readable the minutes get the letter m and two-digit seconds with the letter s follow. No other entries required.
3h44
